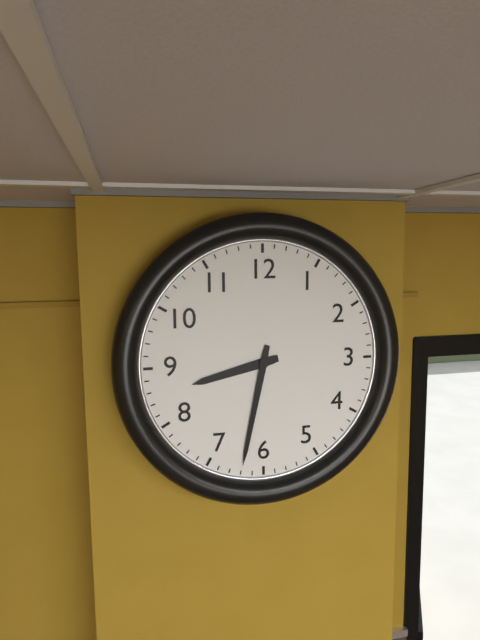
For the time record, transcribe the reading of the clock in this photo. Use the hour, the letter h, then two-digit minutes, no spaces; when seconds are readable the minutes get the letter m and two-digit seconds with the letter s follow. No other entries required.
8h32
